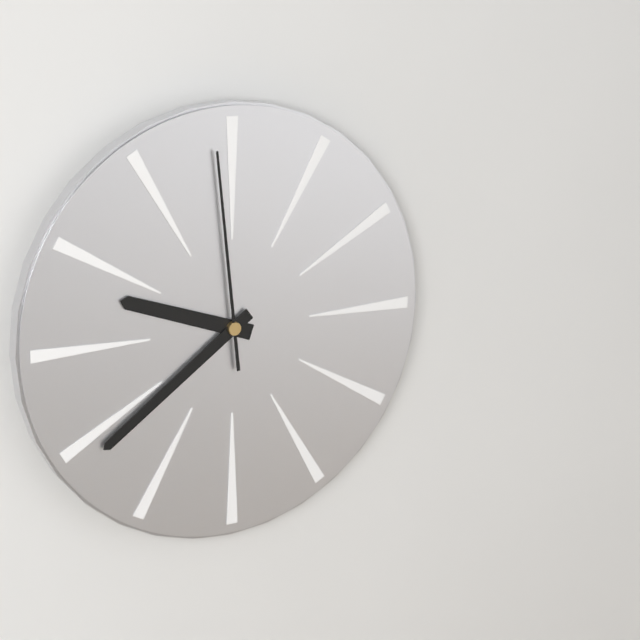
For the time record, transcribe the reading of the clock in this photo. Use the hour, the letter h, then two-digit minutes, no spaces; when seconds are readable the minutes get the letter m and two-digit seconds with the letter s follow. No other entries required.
9h39m59s
